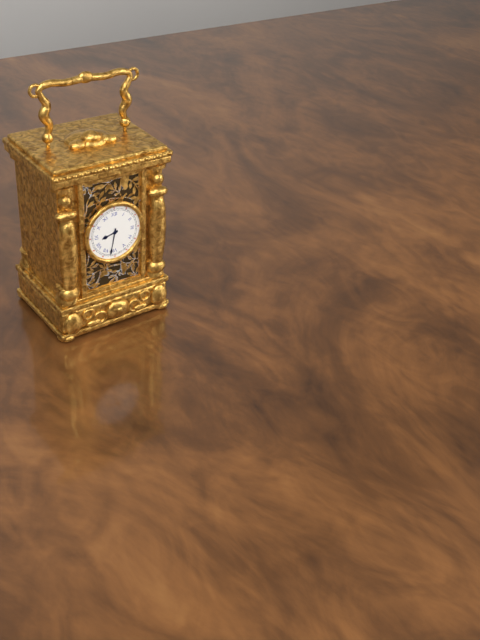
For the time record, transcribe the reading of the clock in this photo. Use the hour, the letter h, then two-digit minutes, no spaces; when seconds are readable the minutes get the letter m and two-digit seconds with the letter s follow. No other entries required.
8h32
